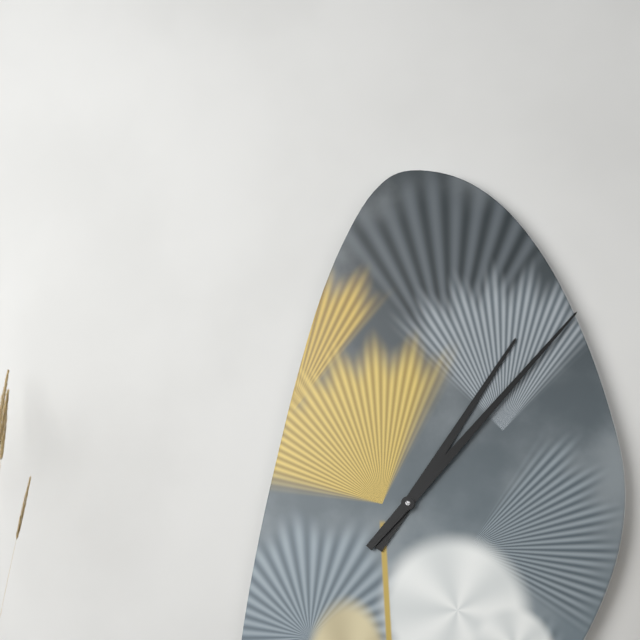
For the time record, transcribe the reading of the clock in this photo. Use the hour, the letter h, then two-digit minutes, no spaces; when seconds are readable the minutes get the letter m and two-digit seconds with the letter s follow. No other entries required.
1h07
